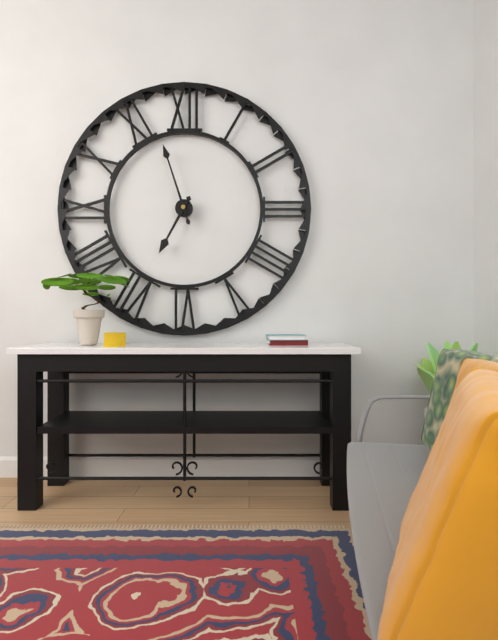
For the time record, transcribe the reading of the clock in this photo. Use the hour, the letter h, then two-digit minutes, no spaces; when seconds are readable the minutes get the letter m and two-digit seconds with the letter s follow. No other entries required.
6h57
